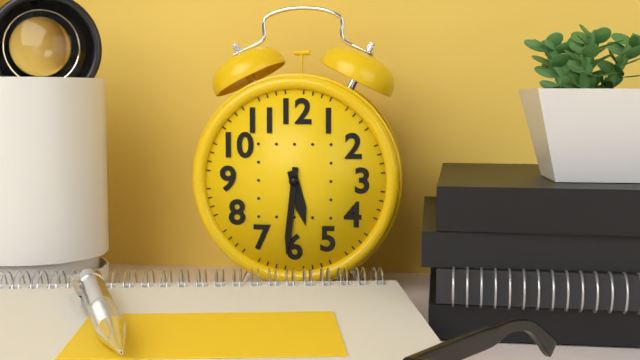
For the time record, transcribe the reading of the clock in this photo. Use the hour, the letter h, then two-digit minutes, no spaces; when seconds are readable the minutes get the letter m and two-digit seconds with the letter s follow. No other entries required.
5h31
